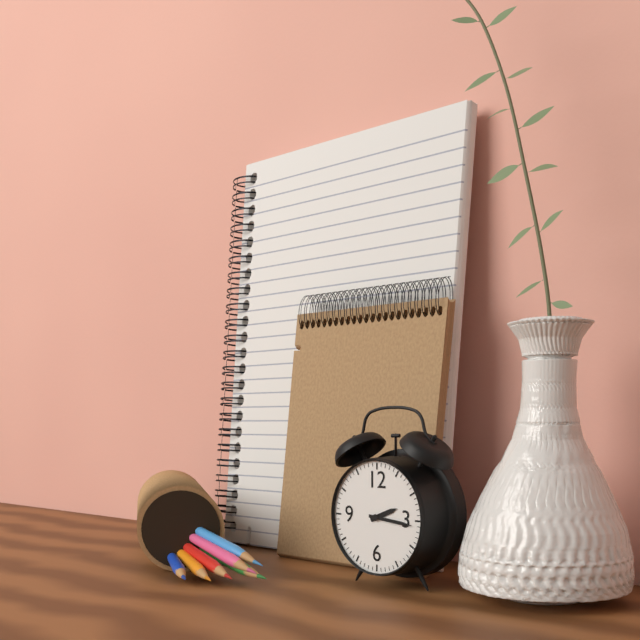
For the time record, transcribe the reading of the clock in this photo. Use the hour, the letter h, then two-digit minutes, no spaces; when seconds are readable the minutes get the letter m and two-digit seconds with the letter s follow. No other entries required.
2h16
